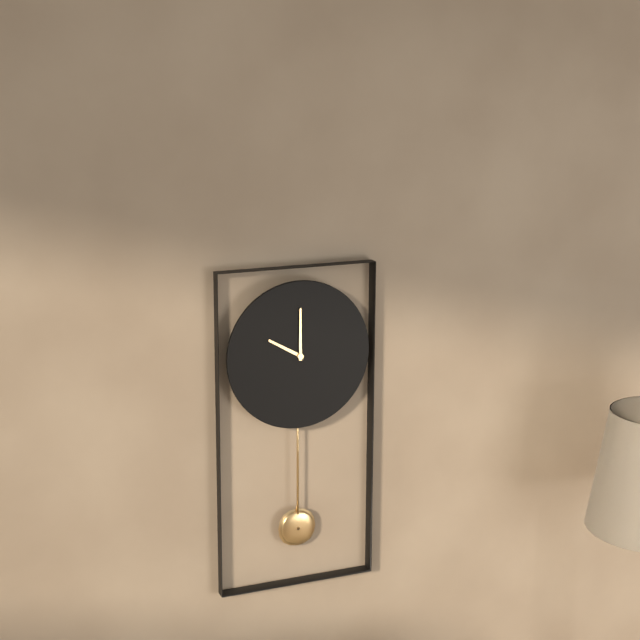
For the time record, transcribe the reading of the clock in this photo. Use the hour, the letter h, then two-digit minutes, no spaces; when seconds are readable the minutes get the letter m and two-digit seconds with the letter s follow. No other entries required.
10h00
